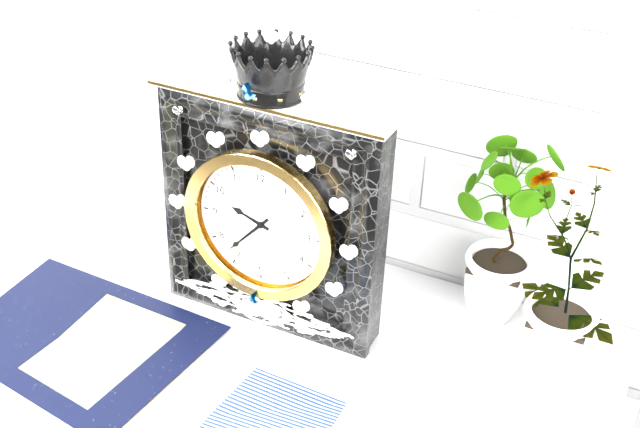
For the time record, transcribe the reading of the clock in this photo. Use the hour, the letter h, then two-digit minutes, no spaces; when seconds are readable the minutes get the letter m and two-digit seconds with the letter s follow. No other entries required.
9h37
